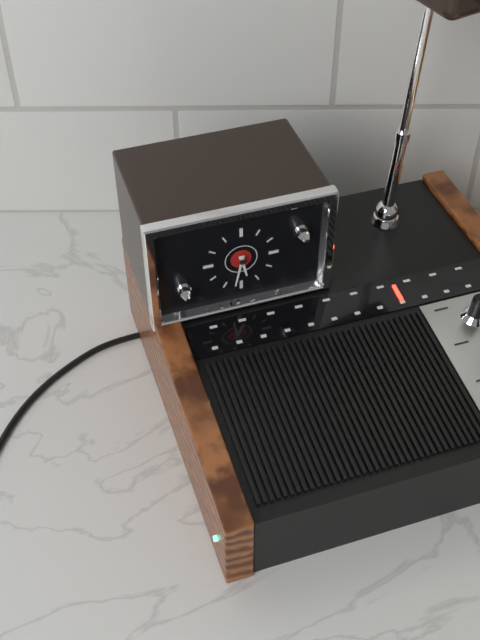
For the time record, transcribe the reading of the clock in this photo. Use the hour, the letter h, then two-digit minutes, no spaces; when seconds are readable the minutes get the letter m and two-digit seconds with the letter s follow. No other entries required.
5h32
